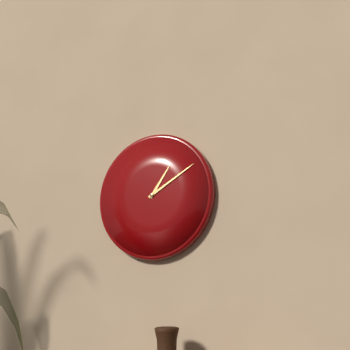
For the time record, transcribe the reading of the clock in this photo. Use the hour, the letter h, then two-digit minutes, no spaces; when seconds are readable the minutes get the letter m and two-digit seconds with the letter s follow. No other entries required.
1h10
